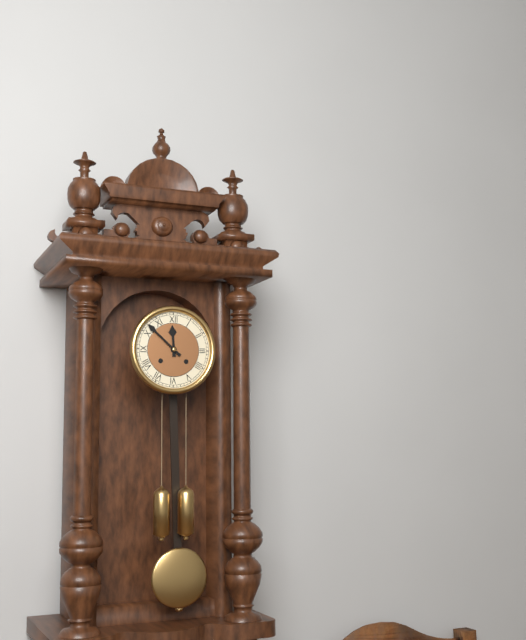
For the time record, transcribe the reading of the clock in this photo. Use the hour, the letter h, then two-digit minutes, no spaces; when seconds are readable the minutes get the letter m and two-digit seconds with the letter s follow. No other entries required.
11h52
